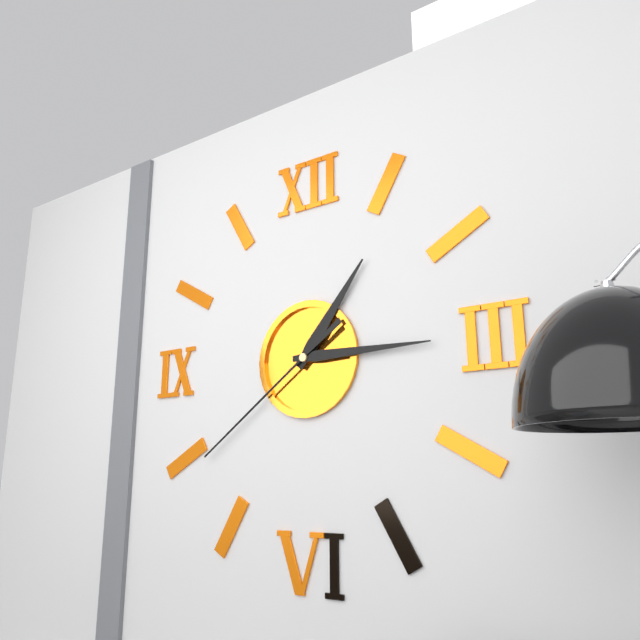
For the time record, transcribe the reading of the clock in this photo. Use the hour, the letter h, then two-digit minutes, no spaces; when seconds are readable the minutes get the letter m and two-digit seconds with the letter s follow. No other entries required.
1h15m39s
